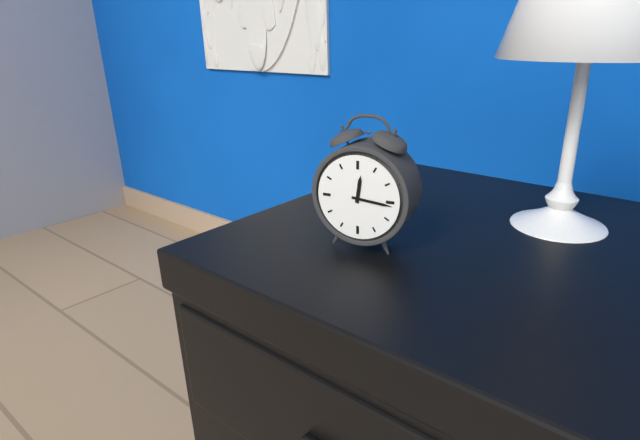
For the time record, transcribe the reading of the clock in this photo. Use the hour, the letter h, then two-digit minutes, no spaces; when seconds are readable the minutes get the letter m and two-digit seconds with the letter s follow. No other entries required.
12h16
